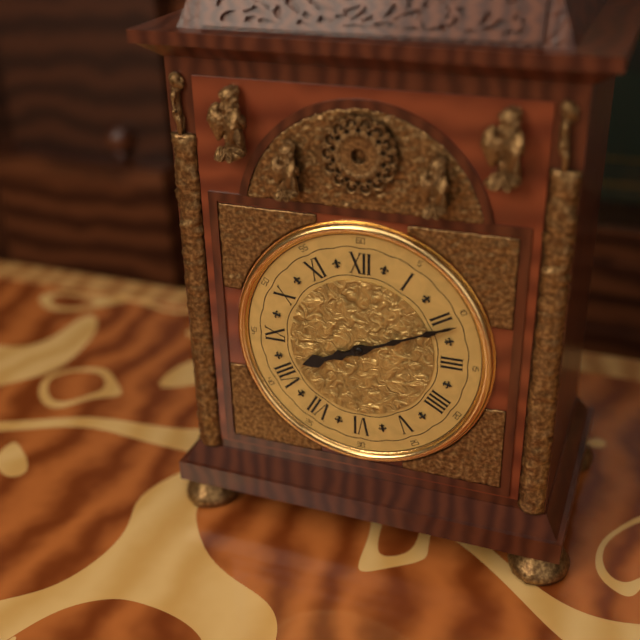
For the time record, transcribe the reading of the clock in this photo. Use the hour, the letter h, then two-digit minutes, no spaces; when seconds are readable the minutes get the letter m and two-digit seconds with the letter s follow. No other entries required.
8h11
